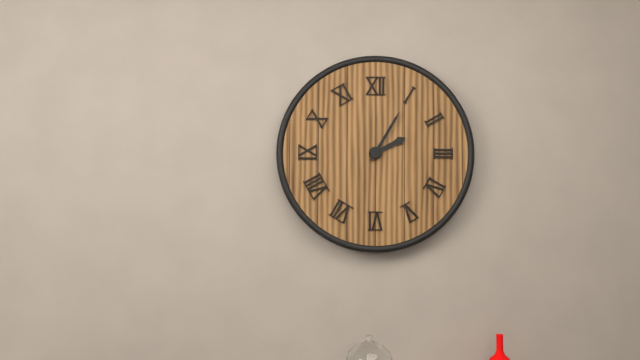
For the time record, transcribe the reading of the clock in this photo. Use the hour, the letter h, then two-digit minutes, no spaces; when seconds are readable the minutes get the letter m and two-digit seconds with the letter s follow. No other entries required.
2h05
